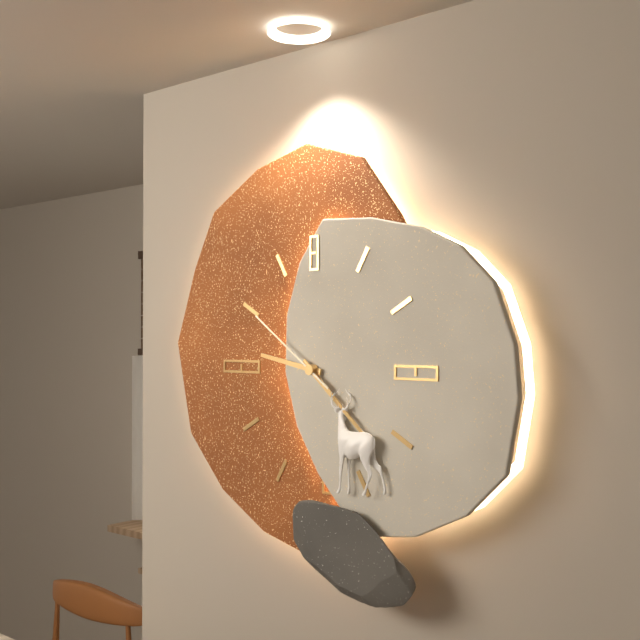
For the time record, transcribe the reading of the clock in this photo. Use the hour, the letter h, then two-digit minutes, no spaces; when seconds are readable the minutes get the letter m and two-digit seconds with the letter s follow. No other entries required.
9h22m51s
